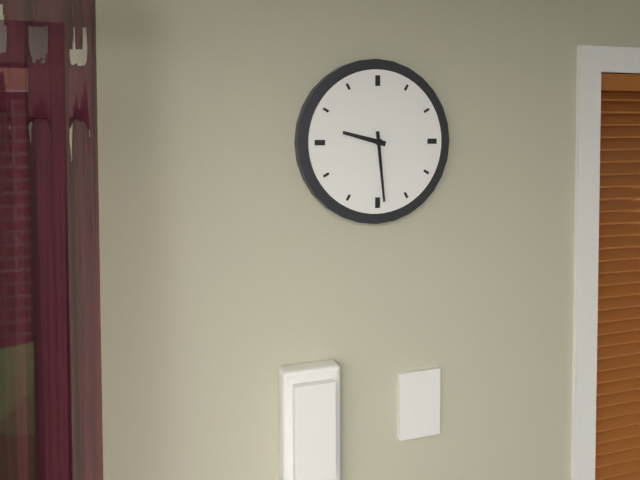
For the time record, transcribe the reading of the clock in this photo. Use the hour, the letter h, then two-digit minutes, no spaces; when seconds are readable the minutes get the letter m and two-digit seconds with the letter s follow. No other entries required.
9h29
